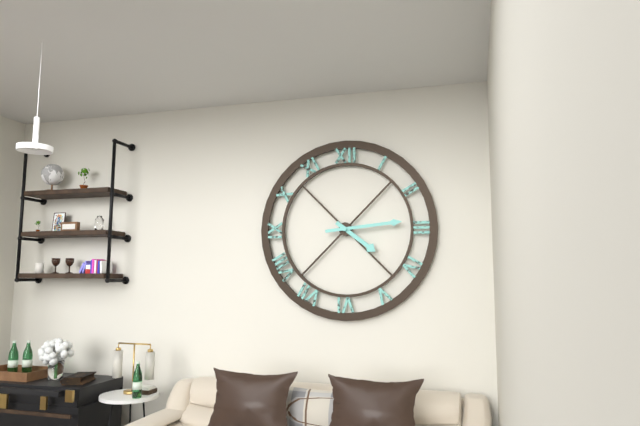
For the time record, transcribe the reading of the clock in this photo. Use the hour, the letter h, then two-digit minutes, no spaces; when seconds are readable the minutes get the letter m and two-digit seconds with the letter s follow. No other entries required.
4h14
